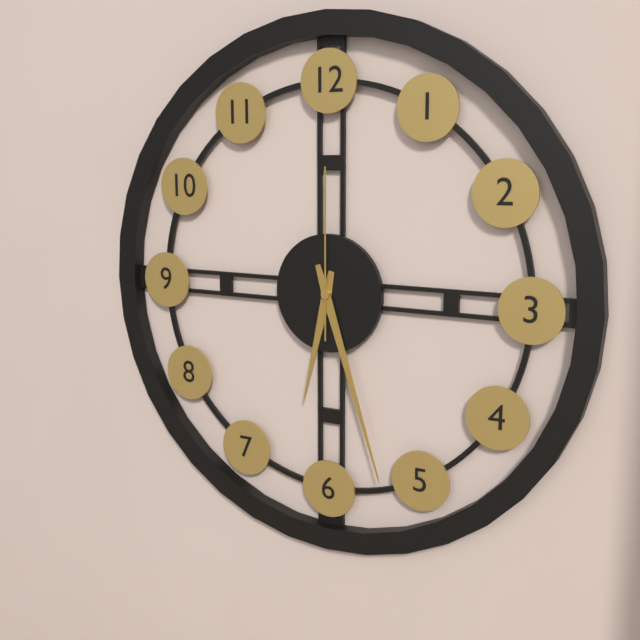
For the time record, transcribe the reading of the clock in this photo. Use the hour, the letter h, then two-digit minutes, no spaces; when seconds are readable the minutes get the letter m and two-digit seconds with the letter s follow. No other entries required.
6h27m00s
